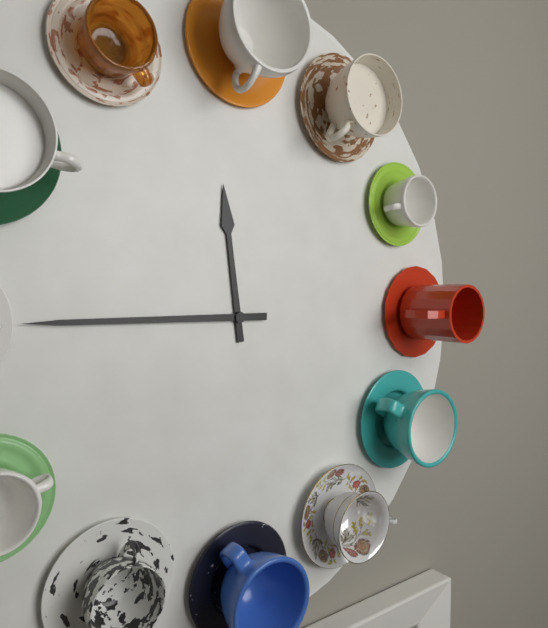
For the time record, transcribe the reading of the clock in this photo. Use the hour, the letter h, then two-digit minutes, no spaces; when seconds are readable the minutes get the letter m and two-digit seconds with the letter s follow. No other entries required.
11h45
